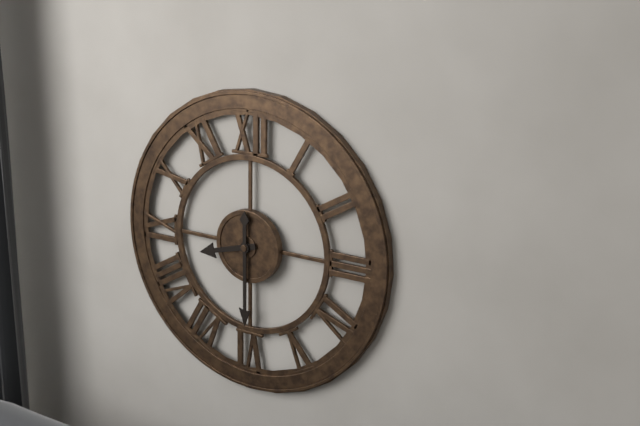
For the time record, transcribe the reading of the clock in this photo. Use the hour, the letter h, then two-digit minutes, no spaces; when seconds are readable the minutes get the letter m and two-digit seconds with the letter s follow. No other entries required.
8h30
